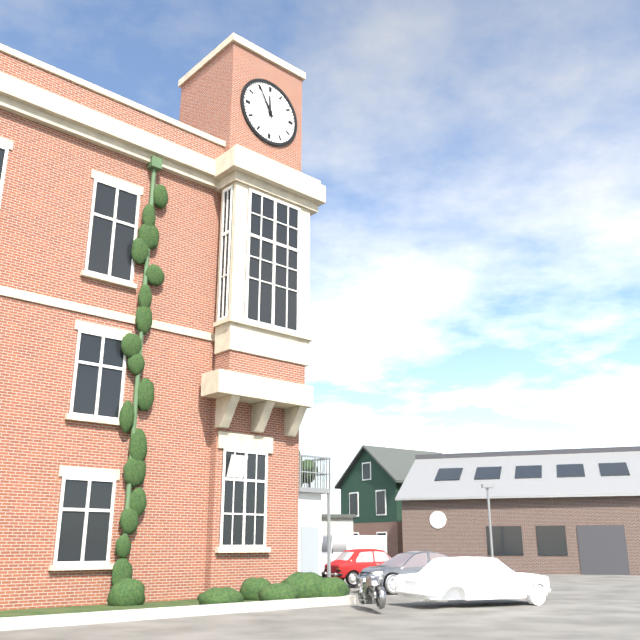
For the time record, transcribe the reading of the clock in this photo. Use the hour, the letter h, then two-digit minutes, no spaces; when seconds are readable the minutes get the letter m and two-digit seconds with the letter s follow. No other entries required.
11h55
